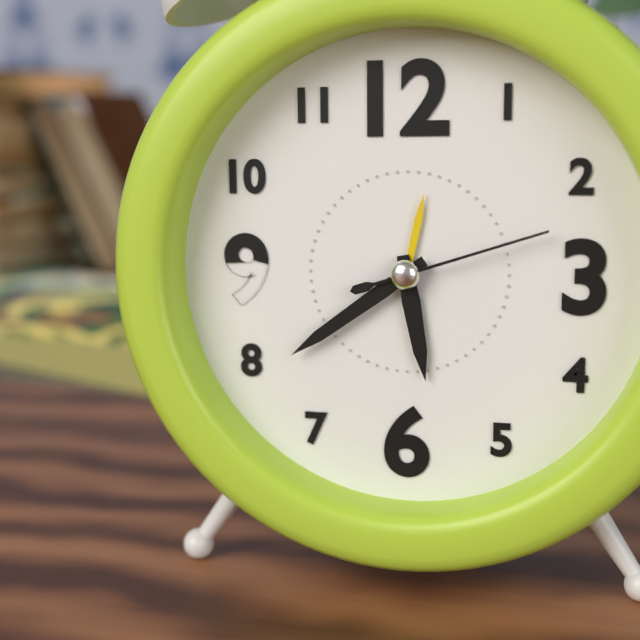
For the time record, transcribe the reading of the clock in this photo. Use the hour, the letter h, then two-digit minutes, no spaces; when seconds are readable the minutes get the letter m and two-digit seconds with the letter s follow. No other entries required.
5h39m12s
